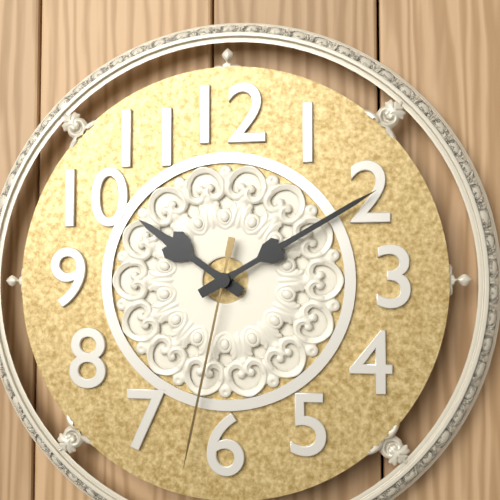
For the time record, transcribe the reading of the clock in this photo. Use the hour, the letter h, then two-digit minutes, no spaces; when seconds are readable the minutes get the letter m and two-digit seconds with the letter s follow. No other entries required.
10h10m32s
